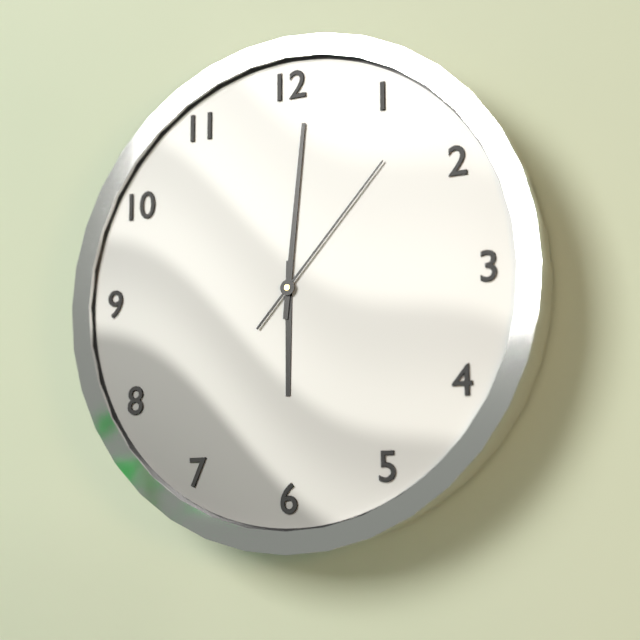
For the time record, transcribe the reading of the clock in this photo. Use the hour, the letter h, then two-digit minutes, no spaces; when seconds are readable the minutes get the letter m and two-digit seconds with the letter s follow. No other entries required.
6h01m07s
